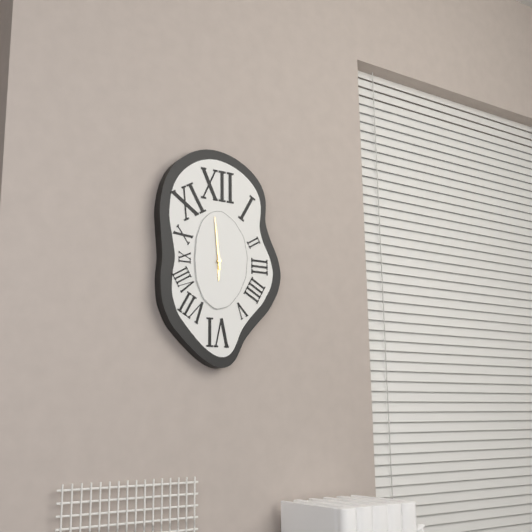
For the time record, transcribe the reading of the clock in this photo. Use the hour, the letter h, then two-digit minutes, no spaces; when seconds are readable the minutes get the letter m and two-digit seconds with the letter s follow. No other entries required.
5h59
